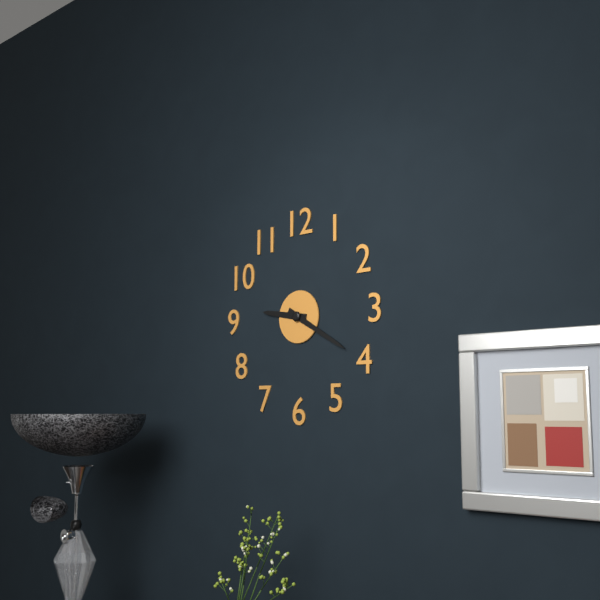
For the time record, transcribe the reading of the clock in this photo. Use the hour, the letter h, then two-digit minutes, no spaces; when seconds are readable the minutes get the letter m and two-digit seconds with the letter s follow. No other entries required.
9h20
